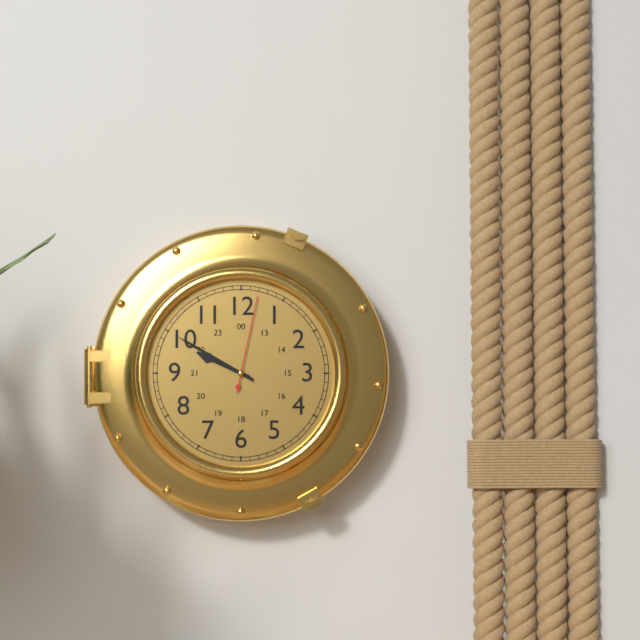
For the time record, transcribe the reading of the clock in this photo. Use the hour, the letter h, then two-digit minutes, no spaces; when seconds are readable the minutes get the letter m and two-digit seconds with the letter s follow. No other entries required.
9h50m02s
